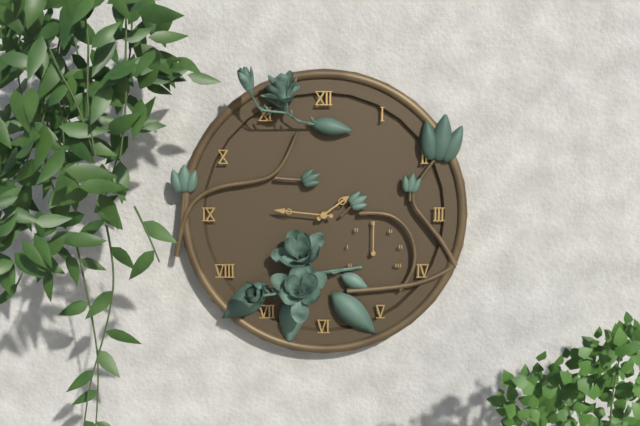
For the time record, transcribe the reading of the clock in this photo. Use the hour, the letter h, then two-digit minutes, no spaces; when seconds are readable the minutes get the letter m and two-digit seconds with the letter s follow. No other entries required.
1h46
